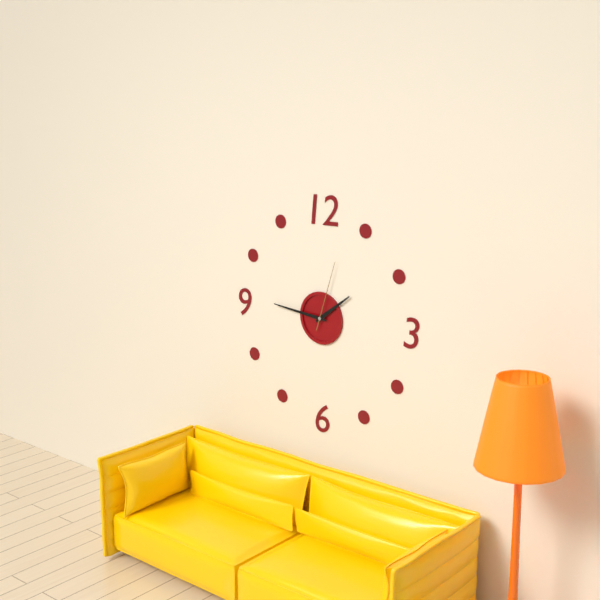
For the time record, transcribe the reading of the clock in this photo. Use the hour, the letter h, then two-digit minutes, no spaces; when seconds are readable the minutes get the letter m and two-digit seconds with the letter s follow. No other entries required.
1h46m03s
